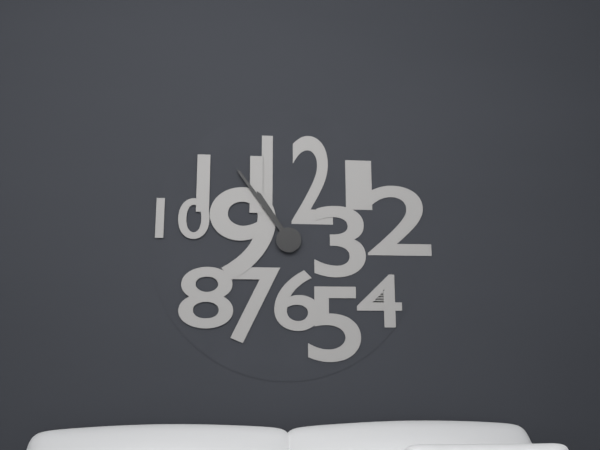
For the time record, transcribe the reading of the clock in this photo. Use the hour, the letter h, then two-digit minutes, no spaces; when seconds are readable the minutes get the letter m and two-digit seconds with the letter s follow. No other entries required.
10h54
